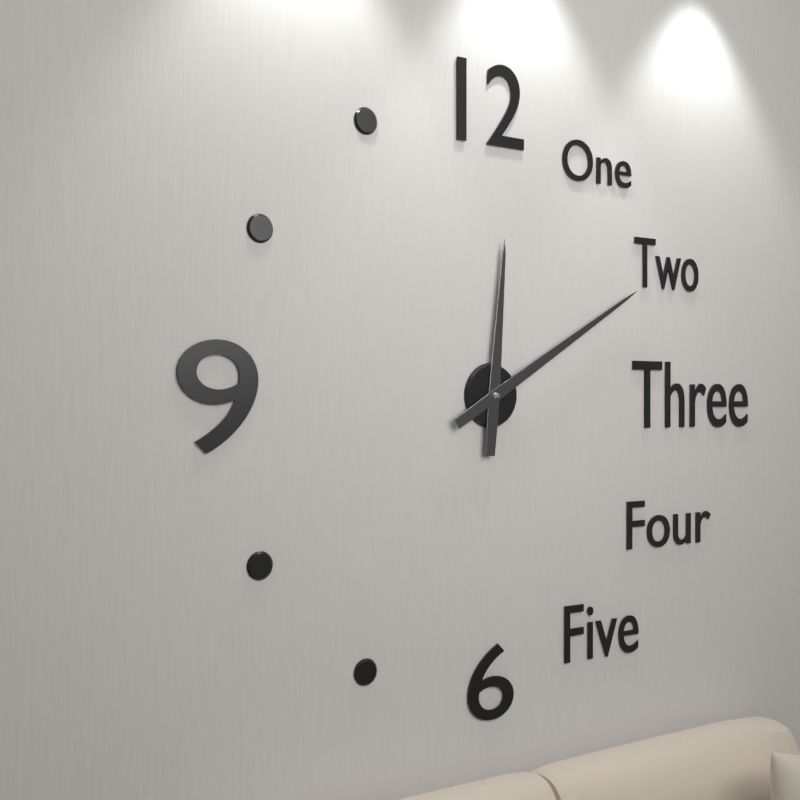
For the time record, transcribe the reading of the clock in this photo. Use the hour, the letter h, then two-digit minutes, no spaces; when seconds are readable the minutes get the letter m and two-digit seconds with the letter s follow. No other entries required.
12h10
